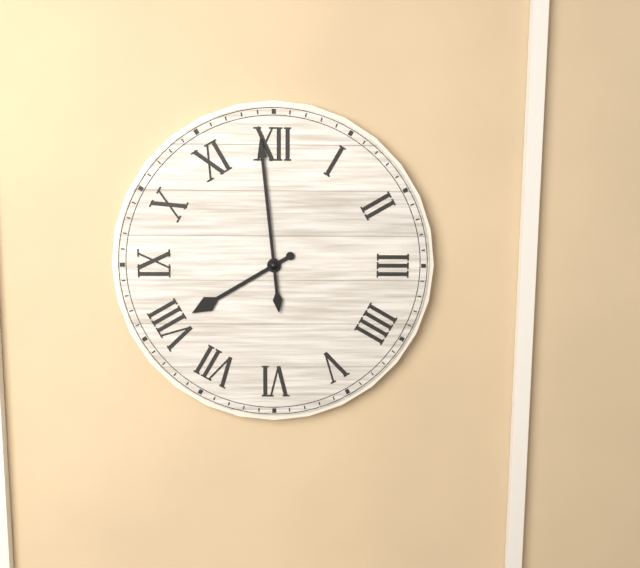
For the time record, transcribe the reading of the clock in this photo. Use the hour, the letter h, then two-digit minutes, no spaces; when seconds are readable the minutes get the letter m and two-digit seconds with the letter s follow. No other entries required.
7h59
